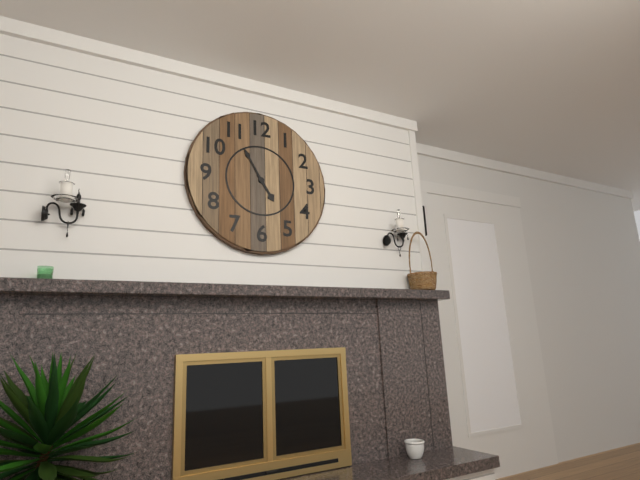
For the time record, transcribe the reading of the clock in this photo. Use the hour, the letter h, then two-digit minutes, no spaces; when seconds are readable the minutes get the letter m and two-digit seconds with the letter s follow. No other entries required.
4h55
